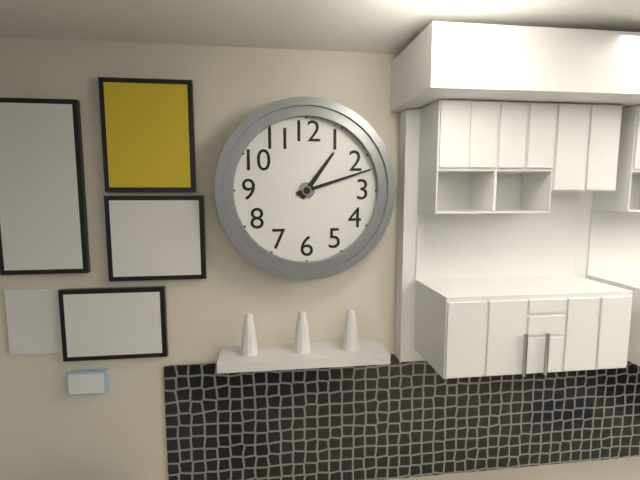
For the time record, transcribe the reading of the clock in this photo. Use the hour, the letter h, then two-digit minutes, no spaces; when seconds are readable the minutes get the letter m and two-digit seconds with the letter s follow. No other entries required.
1h12
